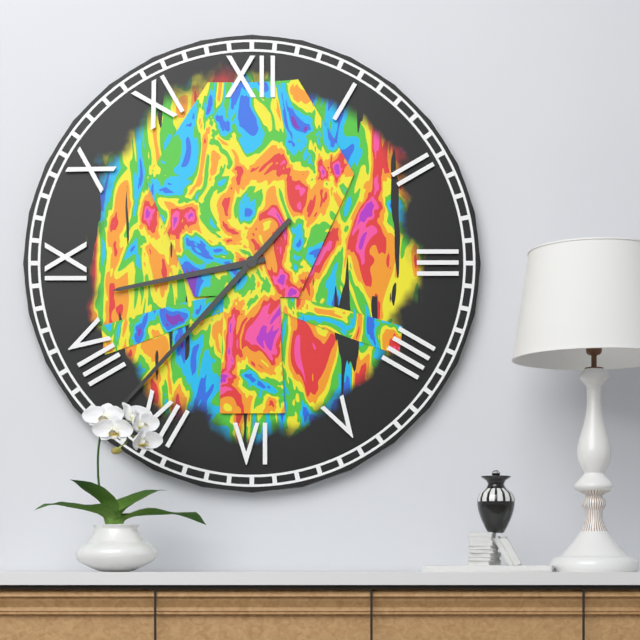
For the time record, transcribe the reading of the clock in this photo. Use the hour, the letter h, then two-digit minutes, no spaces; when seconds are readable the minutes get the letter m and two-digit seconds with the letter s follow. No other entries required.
8h37
